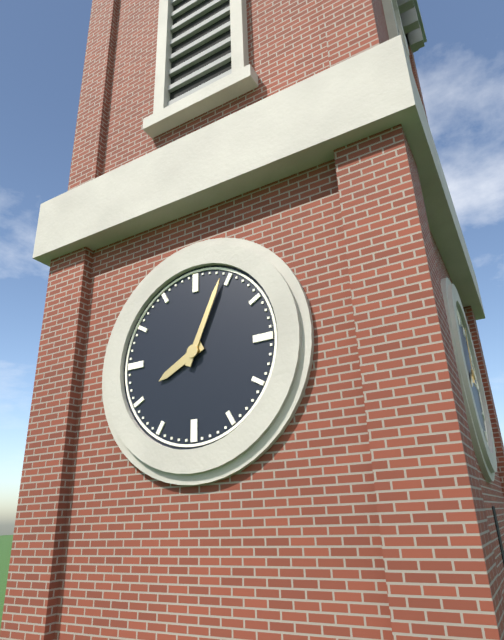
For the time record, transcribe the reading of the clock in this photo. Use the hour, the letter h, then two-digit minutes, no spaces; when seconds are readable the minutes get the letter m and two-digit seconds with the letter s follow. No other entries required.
8h04
